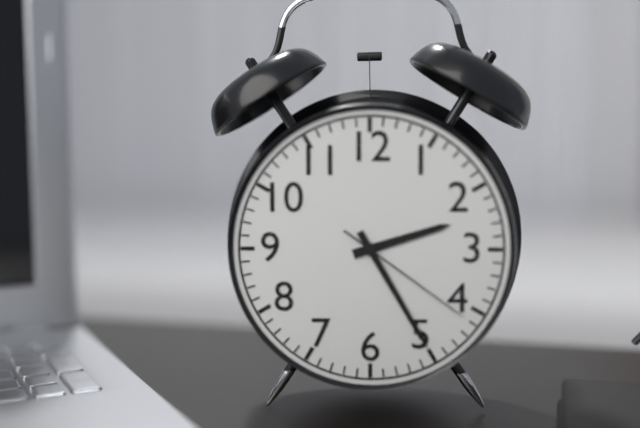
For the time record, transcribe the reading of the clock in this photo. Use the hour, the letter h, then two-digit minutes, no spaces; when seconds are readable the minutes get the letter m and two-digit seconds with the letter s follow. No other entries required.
2h25m21s
